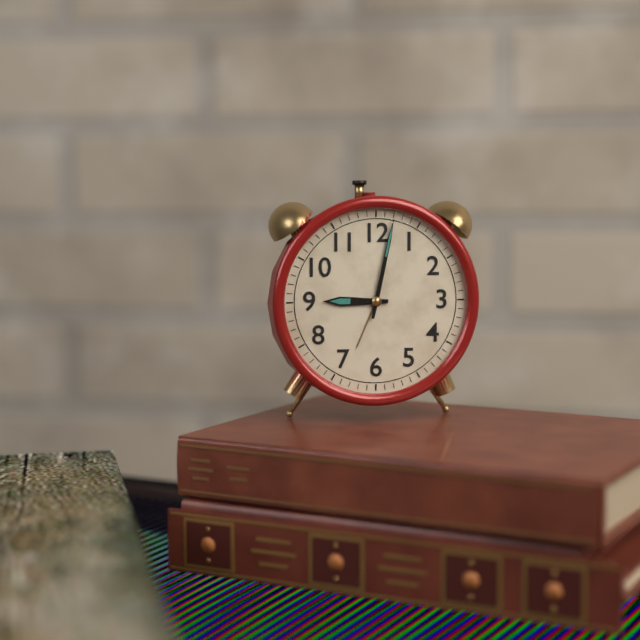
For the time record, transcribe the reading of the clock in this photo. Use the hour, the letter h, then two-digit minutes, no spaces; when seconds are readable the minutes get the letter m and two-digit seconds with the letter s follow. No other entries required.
9h02
